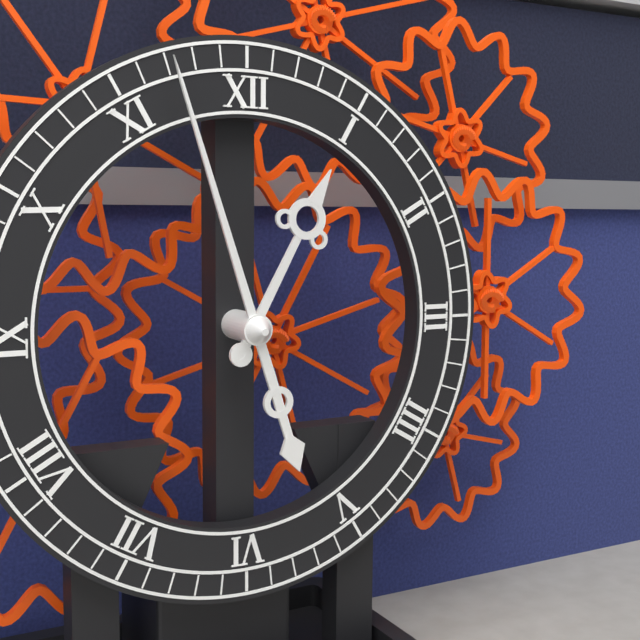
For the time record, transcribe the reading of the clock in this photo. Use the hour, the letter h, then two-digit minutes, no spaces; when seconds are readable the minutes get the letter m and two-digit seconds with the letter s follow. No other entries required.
12h57
